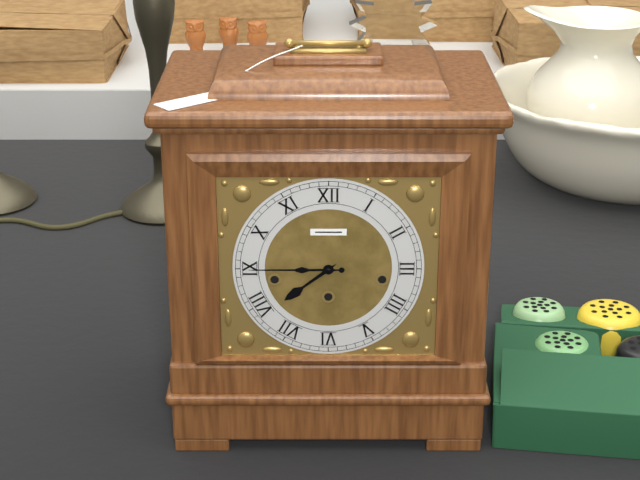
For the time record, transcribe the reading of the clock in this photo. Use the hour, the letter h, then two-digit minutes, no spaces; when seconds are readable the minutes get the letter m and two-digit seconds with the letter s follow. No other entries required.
7h45
